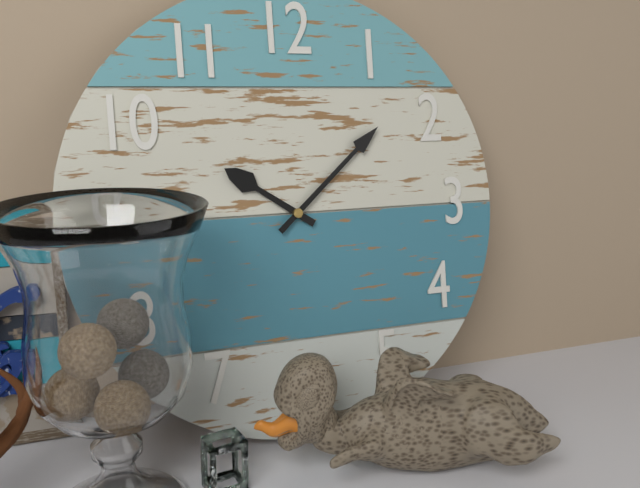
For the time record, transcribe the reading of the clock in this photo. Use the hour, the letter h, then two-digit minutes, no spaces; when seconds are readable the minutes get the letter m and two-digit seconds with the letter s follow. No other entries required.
10h08
